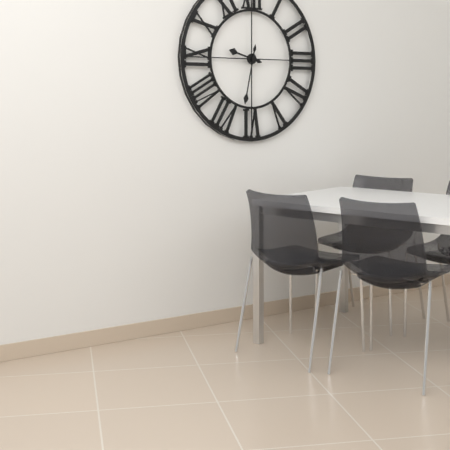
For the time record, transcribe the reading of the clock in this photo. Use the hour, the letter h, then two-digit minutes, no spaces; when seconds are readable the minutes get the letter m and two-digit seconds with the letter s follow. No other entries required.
9h32
